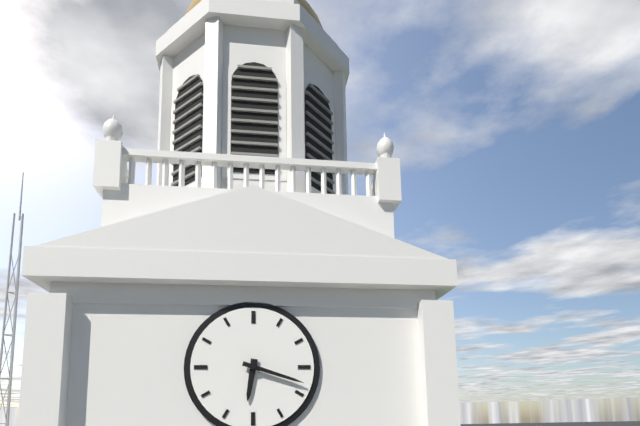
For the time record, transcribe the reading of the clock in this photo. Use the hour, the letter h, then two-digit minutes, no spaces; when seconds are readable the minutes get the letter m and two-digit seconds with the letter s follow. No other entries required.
6h18
